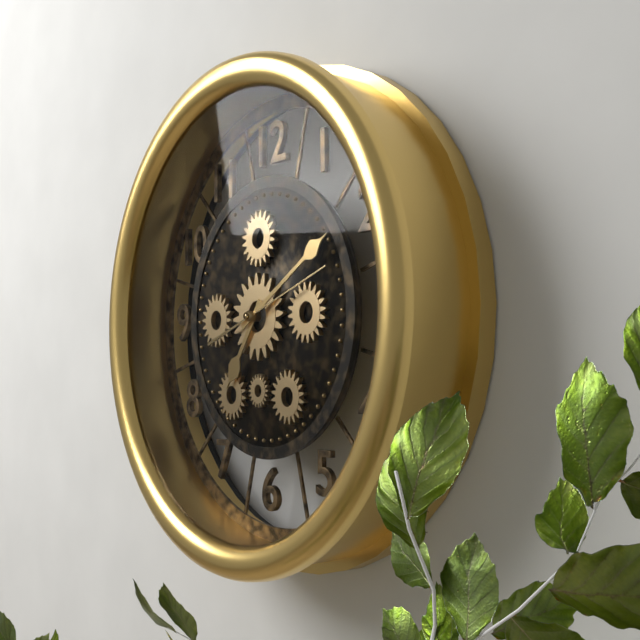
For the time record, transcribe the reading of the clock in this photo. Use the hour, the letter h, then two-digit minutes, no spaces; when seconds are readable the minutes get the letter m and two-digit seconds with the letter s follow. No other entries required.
7h10m12s
